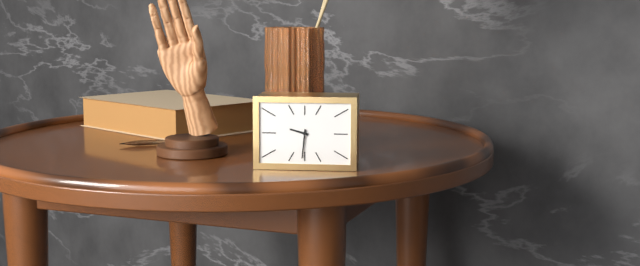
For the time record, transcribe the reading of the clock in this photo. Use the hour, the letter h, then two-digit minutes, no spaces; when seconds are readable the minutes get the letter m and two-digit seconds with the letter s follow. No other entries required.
9h31
